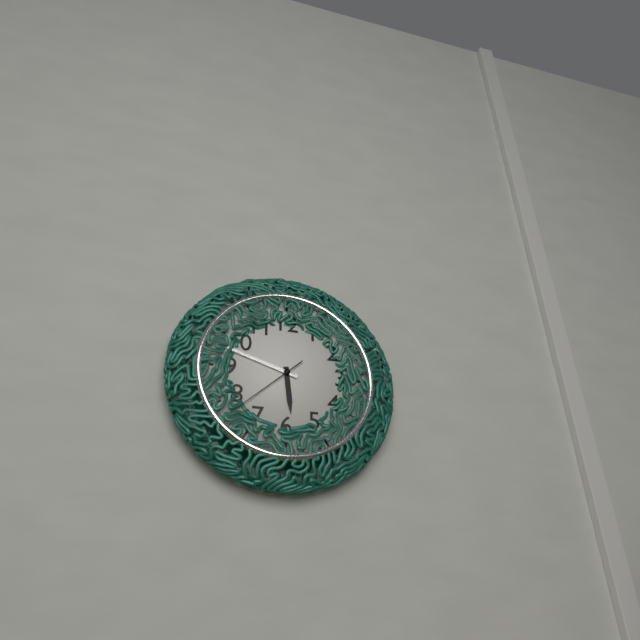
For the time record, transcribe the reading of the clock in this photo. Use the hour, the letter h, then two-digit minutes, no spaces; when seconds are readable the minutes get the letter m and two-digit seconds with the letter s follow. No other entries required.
5h48m38s
